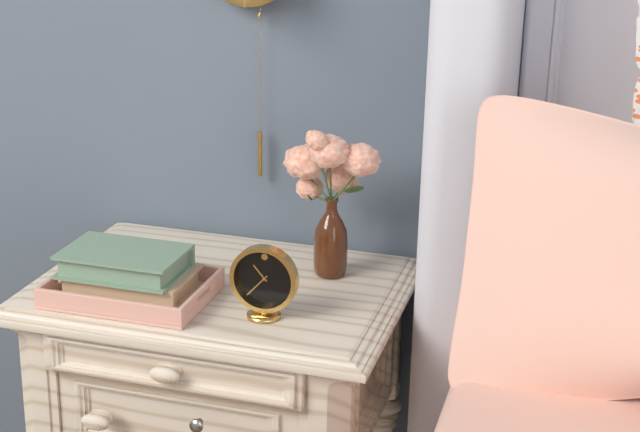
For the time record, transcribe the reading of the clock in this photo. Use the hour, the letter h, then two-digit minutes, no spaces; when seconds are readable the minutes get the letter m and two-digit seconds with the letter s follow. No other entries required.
10h37
